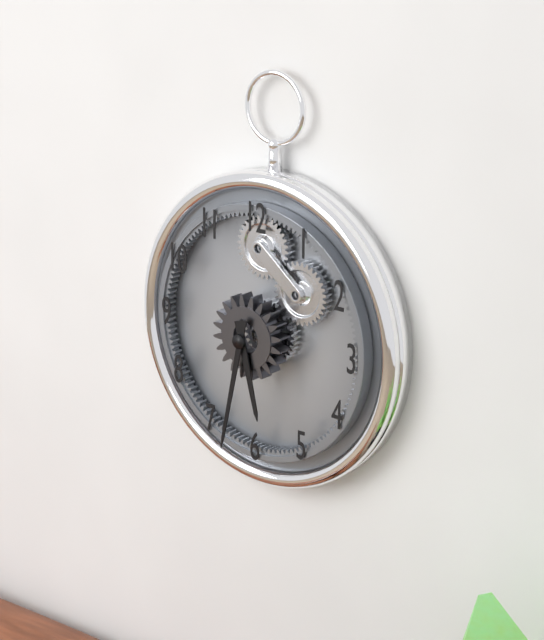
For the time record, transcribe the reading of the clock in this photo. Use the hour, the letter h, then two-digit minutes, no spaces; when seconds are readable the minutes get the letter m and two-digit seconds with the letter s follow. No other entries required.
5h32
